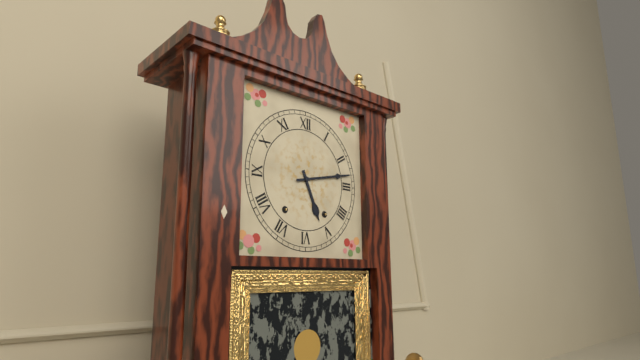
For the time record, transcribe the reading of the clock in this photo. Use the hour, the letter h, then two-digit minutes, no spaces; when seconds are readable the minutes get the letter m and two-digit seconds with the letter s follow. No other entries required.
5h13
